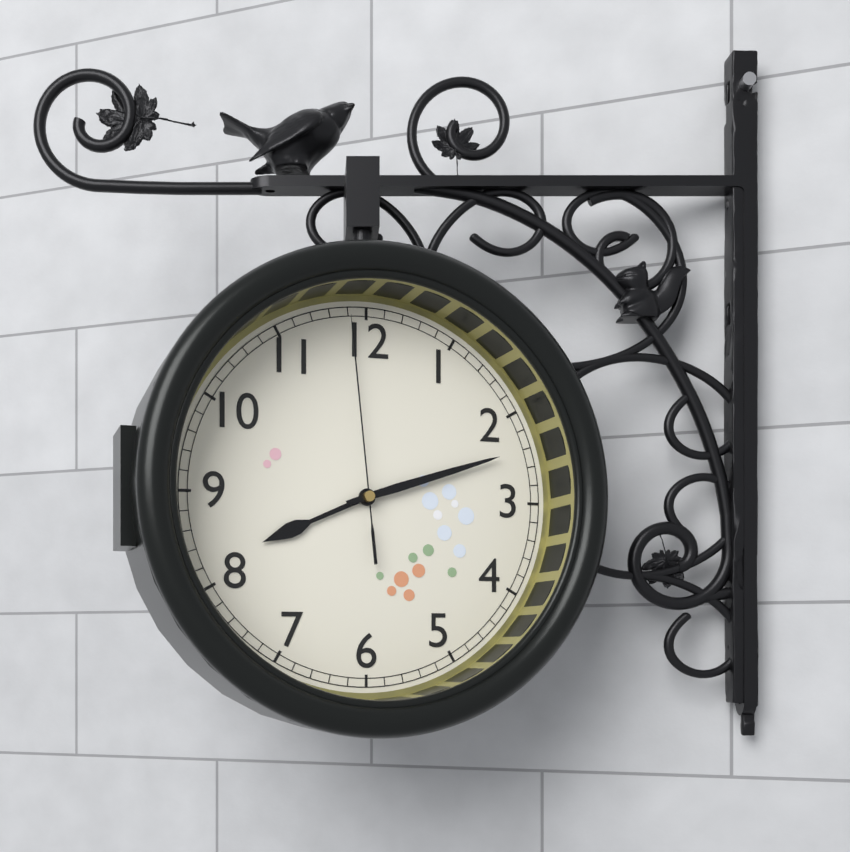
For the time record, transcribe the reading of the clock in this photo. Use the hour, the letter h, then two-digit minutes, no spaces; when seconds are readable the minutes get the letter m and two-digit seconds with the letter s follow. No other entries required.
8h12m59s
